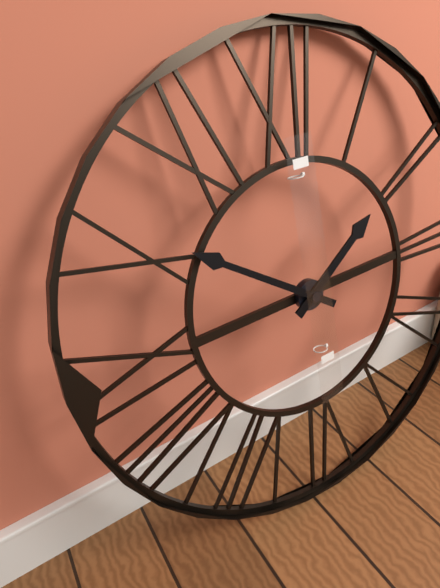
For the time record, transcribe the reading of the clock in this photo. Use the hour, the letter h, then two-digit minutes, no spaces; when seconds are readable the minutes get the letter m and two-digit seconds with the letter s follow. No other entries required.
1h51
